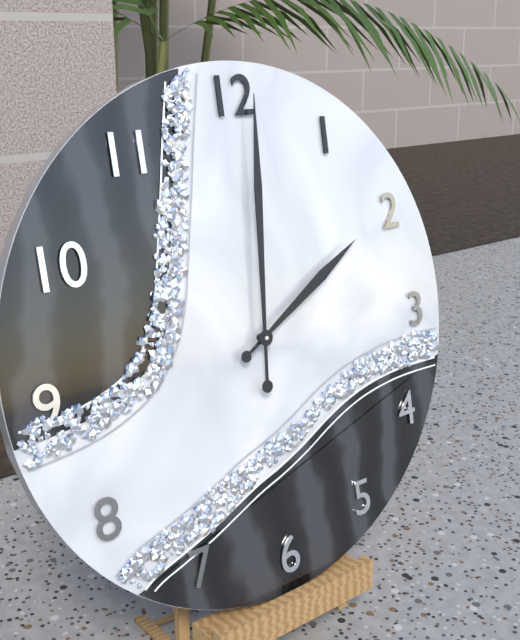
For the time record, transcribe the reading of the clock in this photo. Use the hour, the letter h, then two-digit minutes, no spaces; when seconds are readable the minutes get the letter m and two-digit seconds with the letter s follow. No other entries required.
2h01
